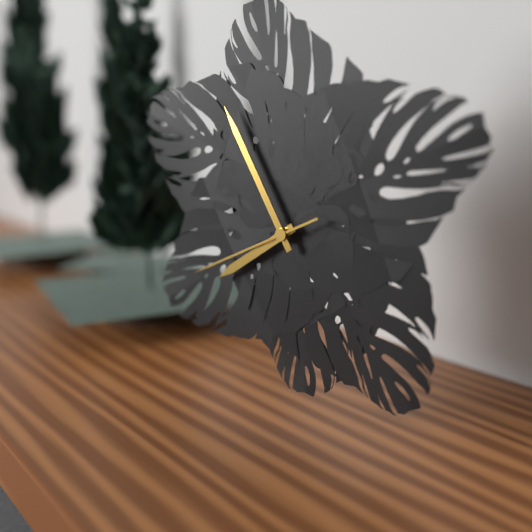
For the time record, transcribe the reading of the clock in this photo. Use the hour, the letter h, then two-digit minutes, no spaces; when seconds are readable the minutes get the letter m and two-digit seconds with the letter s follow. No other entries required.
7h55m41s
